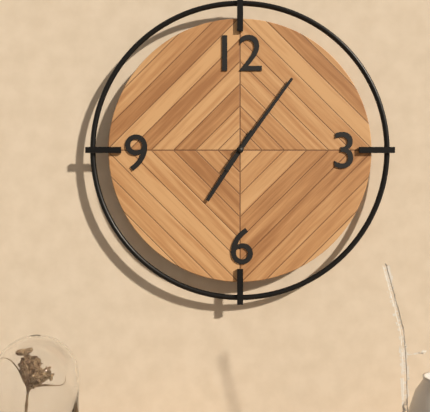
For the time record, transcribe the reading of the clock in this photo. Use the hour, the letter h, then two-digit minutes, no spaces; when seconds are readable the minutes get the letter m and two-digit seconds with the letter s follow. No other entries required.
7h06
